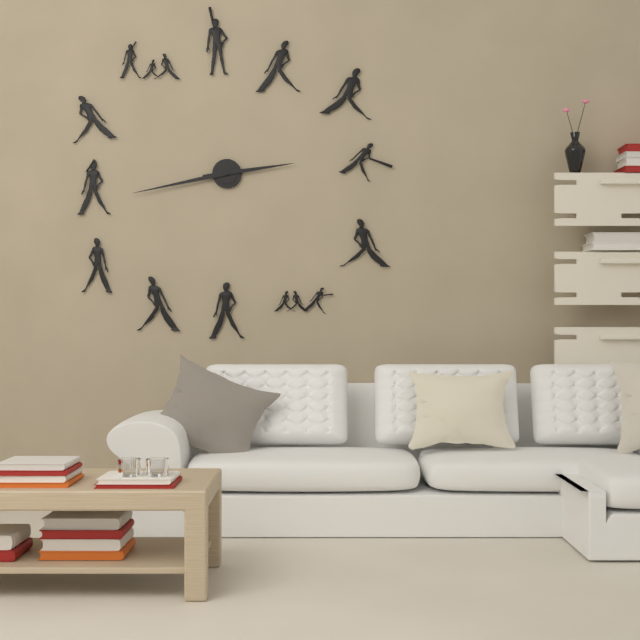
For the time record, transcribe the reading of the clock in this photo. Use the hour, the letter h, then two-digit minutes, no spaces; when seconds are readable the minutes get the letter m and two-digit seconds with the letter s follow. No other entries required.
2h43
